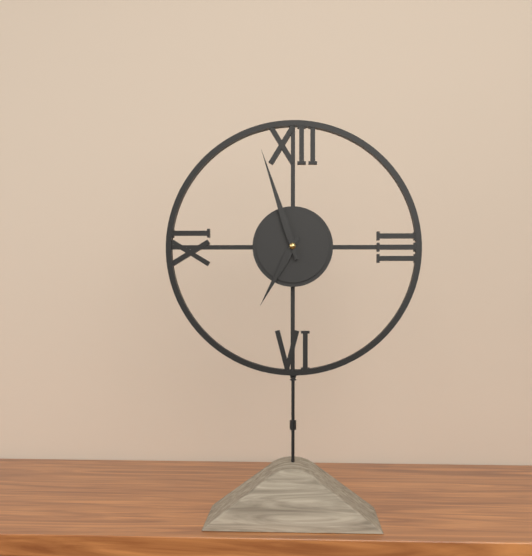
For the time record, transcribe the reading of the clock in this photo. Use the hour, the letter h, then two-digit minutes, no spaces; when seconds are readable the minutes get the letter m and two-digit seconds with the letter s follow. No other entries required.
6h57
